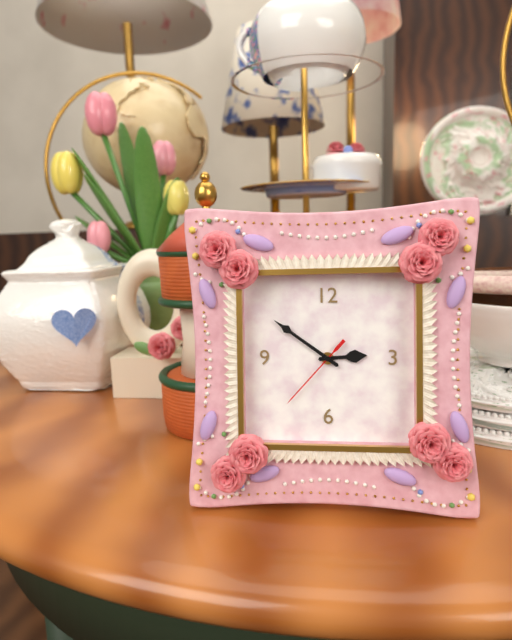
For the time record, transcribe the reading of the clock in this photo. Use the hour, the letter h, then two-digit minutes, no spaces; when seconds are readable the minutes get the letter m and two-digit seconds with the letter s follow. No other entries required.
2h51m37s
